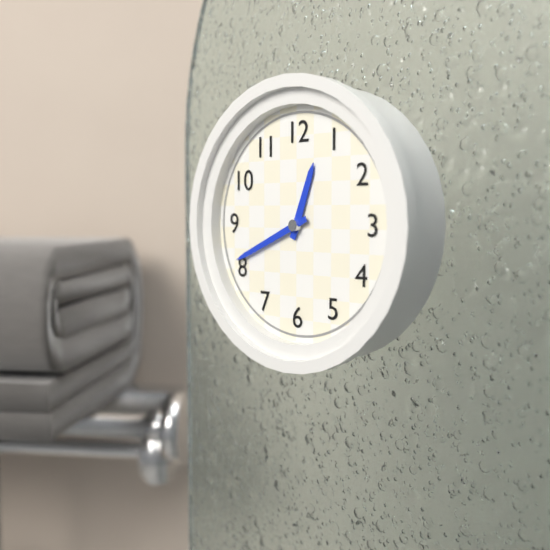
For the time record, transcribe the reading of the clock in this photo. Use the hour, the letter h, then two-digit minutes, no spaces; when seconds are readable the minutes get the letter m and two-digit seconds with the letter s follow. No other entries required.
12h41
